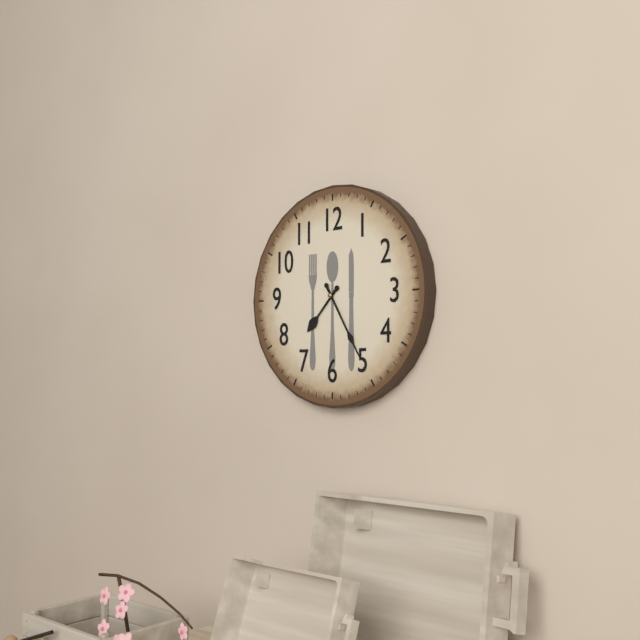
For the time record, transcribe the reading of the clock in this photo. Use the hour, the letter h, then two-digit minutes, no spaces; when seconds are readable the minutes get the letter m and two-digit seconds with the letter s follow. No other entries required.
7h25
